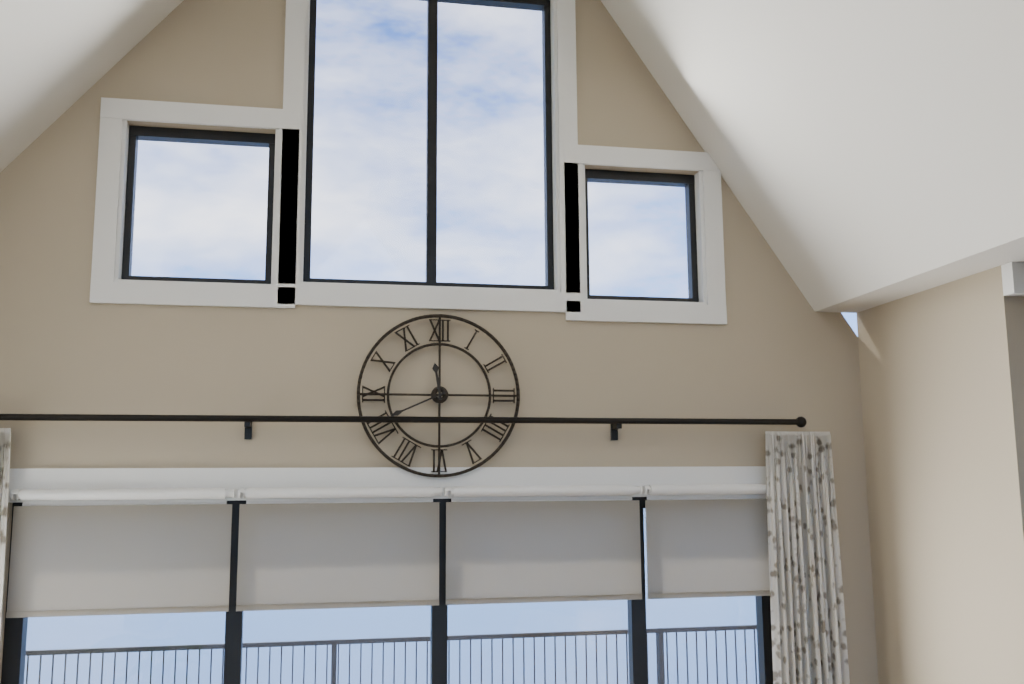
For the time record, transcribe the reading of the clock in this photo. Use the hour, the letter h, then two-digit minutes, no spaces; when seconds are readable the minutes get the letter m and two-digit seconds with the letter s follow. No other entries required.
11h41
